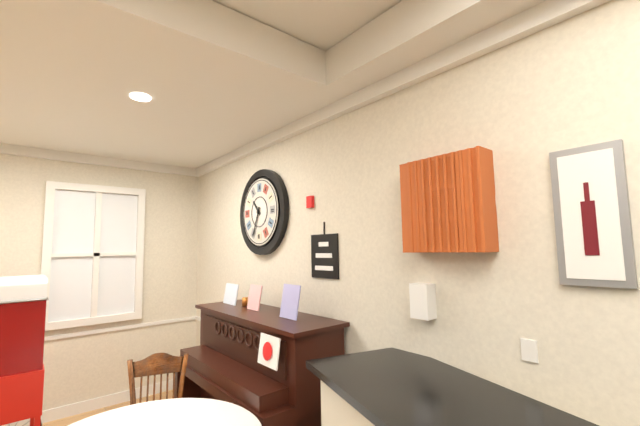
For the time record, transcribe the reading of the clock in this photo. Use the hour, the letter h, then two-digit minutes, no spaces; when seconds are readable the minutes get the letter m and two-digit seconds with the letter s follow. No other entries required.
10h34
